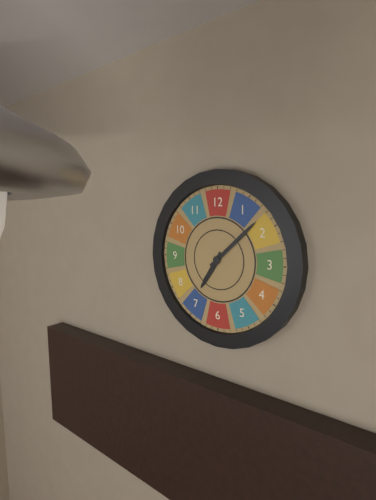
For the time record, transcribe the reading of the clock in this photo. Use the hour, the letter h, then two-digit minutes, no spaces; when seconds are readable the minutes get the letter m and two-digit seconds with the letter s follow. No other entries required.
7h08
